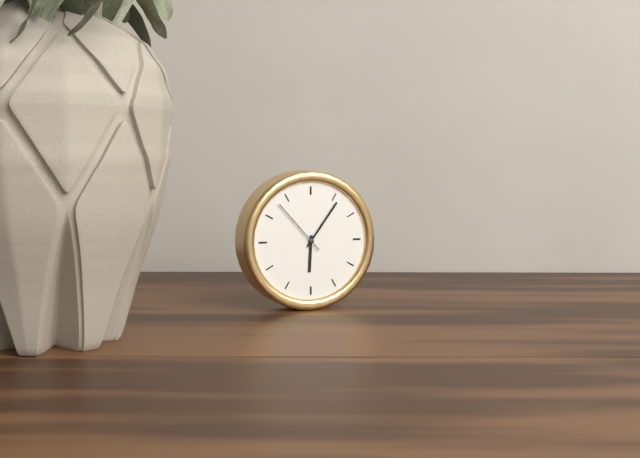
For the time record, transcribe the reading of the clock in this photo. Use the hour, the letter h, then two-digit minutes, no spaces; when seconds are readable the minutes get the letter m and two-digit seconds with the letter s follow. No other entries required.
6h06m53s
